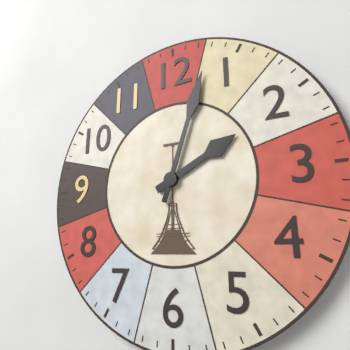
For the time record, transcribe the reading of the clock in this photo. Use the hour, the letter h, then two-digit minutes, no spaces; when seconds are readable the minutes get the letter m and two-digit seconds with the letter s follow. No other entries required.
2h03
